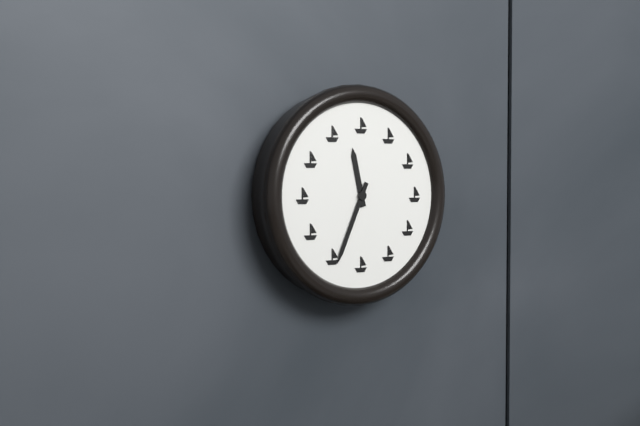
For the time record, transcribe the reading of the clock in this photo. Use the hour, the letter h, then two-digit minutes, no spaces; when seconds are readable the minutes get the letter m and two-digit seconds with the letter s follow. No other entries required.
11h34
